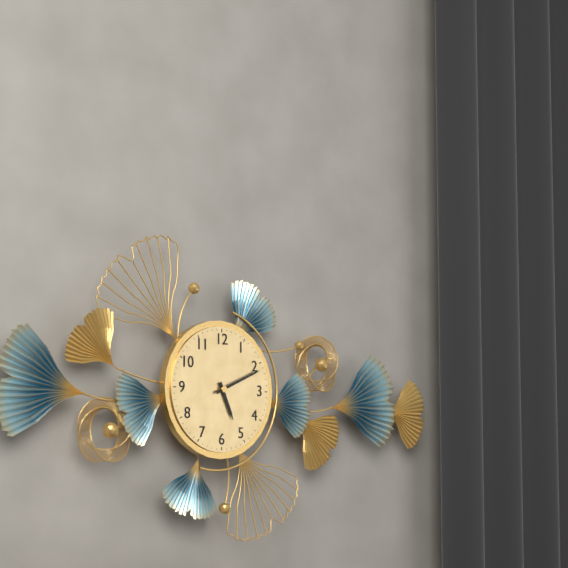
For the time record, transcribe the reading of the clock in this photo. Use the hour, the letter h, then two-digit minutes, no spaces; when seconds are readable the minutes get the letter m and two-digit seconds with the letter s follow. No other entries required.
5h11
